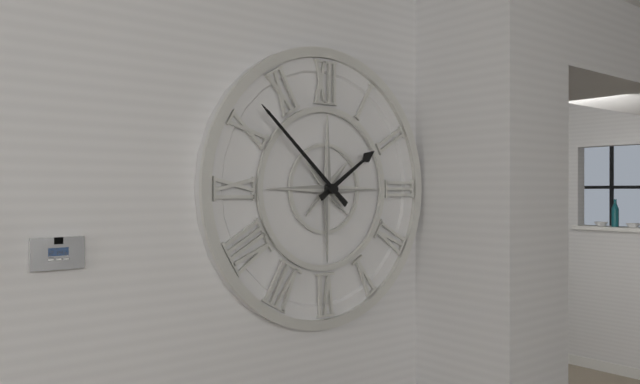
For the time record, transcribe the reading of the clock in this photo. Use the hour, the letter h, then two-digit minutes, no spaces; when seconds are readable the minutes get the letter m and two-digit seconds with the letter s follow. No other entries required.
1h52
